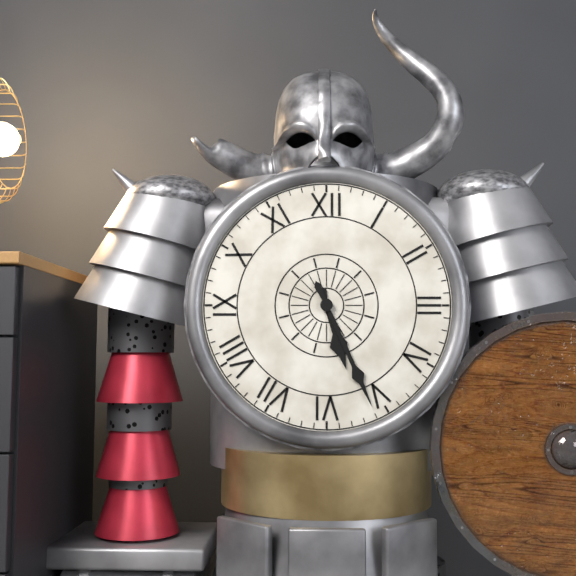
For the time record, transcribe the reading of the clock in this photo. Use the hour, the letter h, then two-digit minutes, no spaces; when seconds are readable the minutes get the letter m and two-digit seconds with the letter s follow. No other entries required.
5h26
